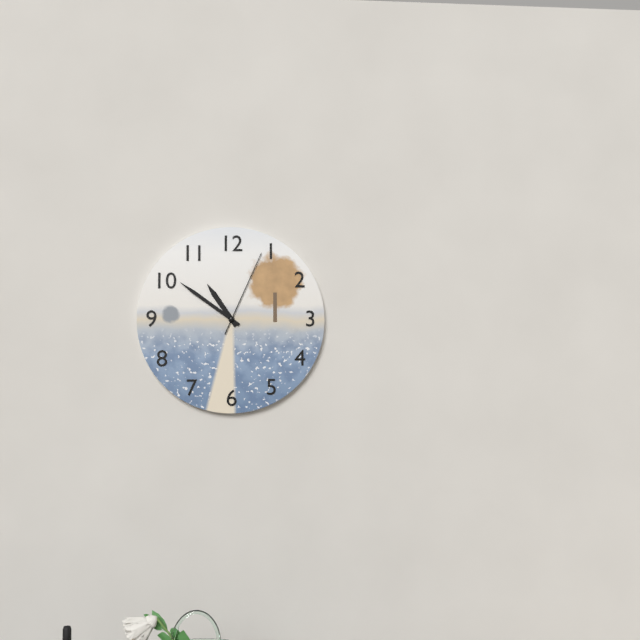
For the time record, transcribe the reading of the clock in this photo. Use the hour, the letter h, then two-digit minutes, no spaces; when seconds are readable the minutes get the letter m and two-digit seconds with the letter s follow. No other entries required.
10h51m04s
